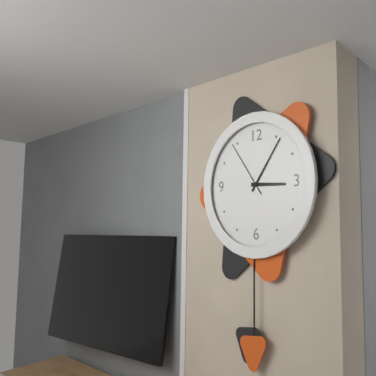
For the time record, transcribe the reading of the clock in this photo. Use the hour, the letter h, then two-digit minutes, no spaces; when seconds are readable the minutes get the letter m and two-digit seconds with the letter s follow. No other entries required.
3h06m54s
